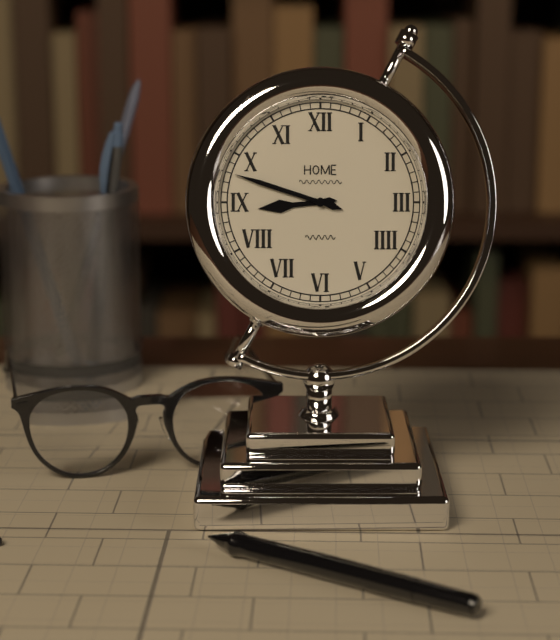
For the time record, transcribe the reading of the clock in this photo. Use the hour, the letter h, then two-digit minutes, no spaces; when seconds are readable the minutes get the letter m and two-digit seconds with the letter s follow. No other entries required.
8h48
